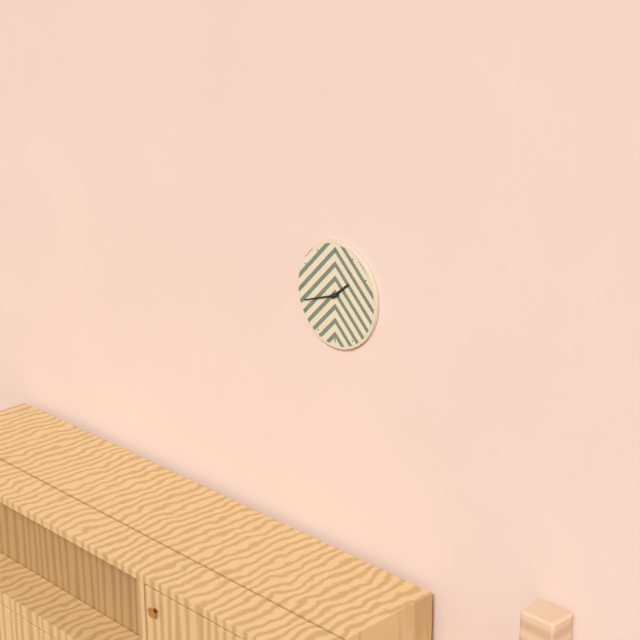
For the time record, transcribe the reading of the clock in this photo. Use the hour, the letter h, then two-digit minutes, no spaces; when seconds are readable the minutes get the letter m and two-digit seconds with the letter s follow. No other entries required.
1h42
